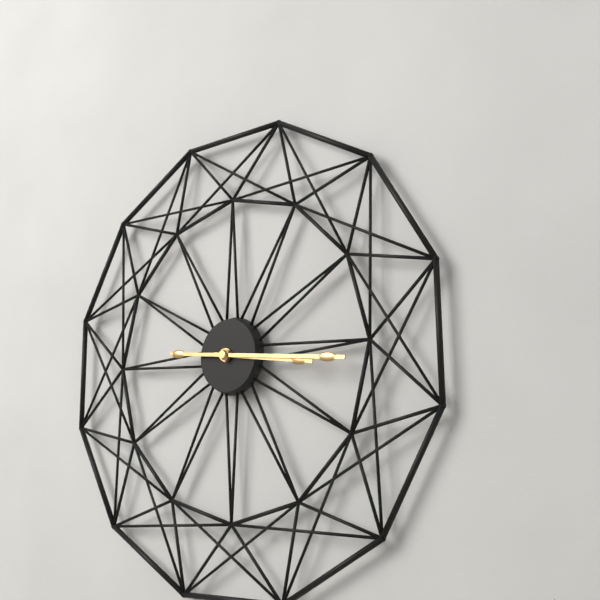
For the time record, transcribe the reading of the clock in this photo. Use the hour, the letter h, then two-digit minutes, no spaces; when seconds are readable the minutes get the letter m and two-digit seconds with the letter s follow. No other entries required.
3h16
